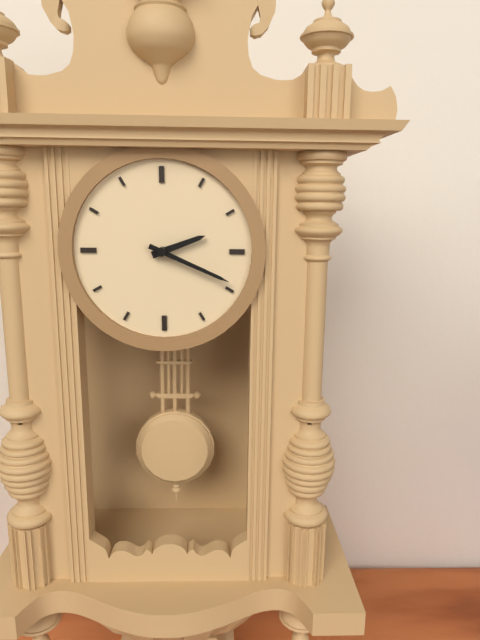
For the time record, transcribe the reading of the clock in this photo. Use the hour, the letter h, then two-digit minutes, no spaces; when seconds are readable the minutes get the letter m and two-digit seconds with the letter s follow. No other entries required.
2h19
